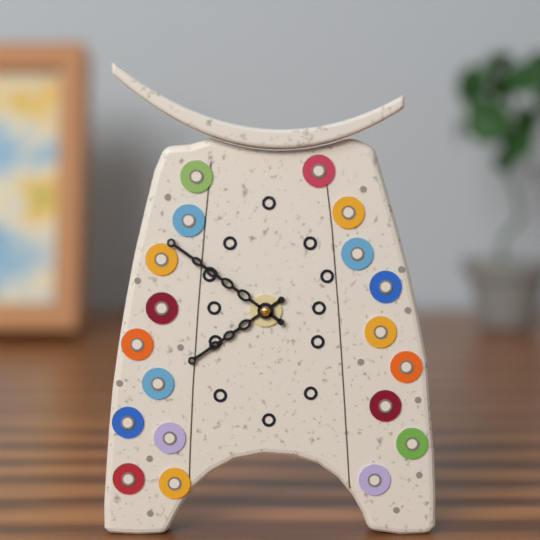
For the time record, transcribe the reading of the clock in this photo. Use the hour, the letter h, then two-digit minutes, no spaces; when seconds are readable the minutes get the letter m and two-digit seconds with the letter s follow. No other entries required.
7h51
